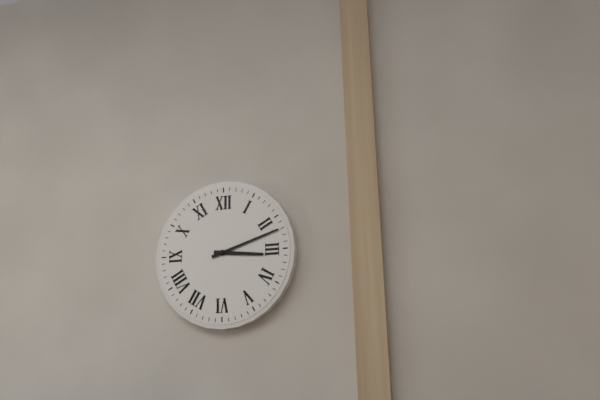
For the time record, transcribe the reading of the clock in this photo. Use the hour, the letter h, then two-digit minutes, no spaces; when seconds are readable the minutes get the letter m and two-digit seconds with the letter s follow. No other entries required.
3h12
